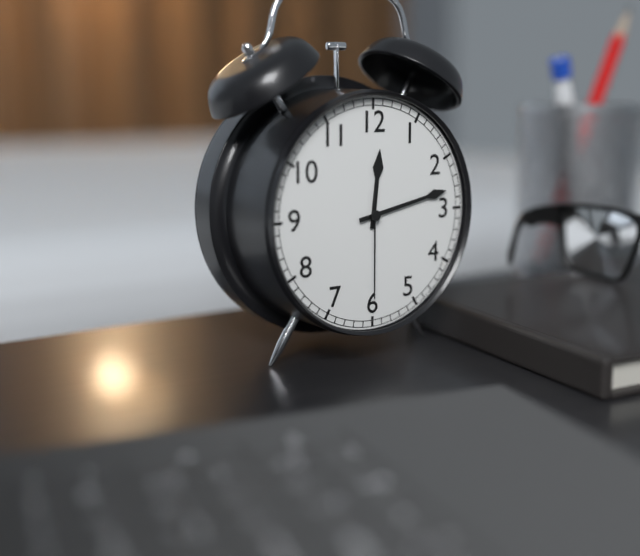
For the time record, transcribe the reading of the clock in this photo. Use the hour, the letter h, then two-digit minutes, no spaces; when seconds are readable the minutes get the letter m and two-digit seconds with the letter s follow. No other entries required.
12h13m30s
